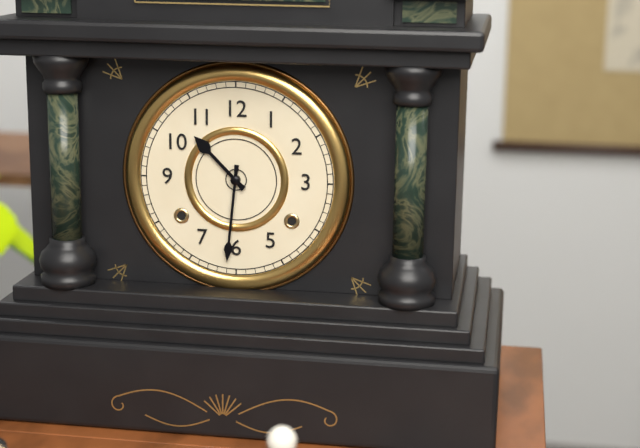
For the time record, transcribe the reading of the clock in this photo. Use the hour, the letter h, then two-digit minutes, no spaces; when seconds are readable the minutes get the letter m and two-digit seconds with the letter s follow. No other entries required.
10h31
